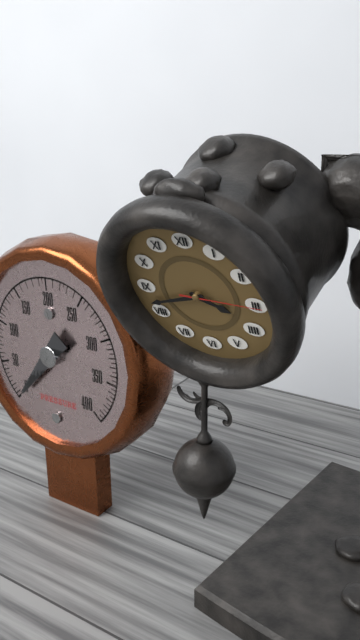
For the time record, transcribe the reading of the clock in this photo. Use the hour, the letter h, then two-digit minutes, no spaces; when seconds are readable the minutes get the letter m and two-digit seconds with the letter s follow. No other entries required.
3h42m15s
